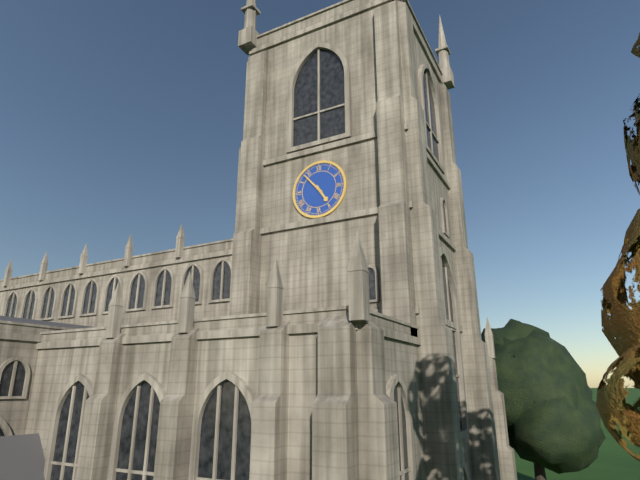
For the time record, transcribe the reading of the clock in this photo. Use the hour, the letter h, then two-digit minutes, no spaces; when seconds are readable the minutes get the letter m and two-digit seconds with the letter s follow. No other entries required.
4h53
